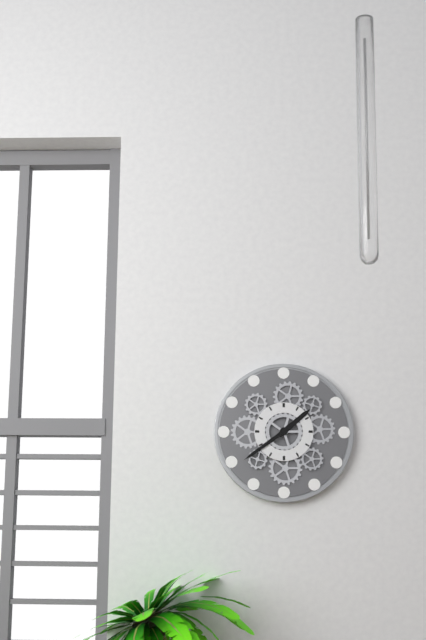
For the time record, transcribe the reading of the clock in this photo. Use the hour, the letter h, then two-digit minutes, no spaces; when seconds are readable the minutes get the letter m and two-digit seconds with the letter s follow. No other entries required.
1h39
